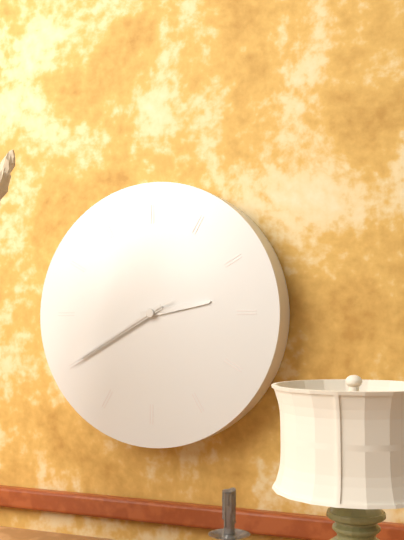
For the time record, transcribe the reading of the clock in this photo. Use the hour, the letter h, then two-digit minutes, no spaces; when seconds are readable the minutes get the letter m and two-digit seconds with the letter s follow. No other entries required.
2h40m40s
